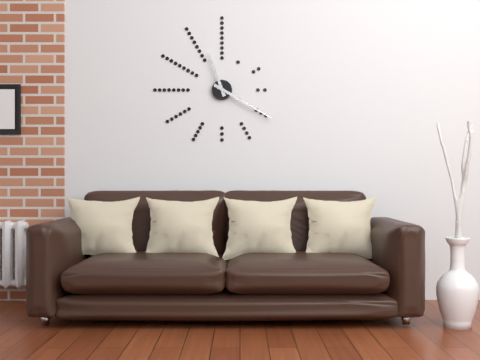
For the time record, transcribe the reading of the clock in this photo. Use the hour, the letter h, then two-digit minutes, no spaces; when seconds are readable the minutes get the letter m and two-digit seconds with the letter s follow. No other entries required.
11h20
